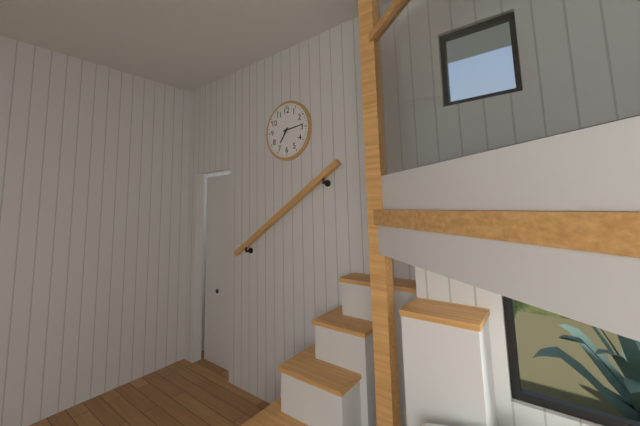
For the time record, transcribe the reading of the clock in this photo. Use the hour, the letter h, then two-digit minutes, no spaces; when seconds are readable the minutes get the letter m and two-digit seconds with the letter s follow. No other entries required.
7h14
